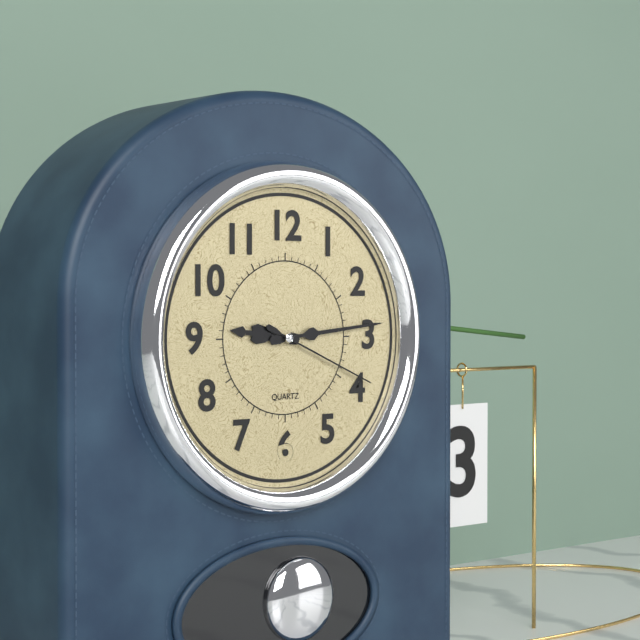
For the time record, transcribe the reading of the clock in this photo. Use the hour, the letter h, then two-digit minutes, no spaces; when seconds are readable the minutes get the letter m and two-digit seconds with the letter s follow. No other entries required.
9h14m19s
